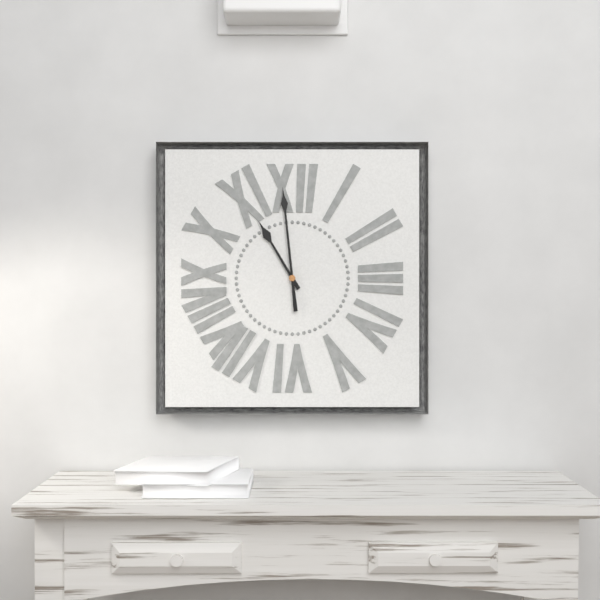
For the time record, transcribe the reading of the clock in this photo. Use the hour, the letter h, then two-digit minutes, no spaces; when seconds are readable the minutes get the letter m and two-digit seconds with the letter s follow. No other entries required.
10h59
